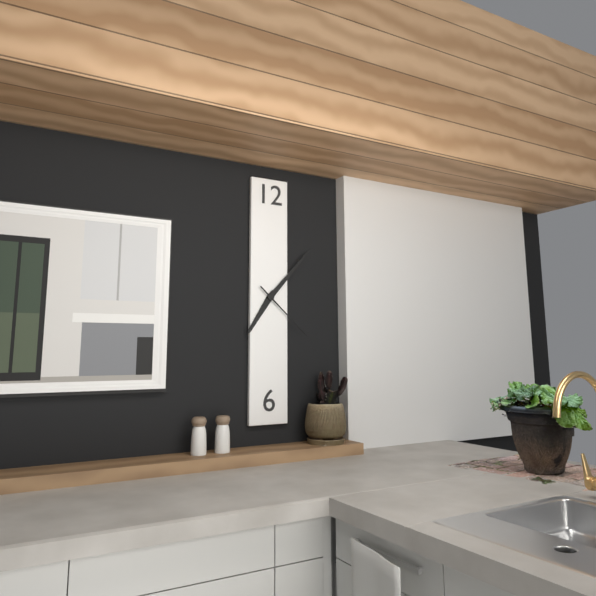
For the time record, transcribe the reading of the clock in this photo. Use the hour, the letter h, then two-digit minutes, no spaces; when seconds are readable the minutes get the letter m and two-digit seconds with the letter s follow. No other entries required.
7h07m22s
